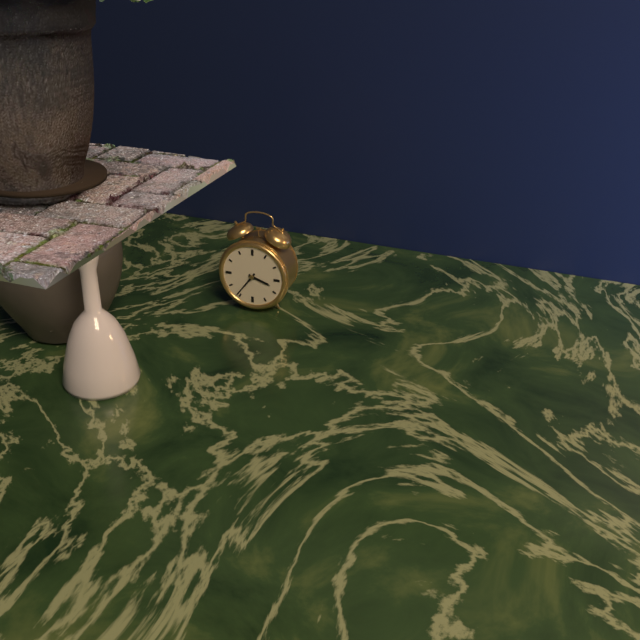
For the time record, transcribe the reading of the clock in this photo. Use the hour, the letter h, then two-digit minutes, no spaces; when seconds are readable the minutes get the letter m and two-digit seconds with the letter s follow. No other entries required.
3h36
